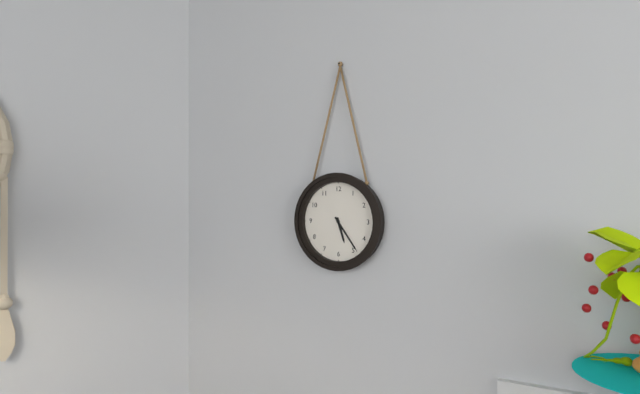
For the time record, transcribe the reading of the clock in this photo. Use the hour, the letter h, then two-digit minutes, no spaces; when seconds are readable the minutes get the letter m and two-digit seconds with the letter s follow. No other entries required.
5h24
